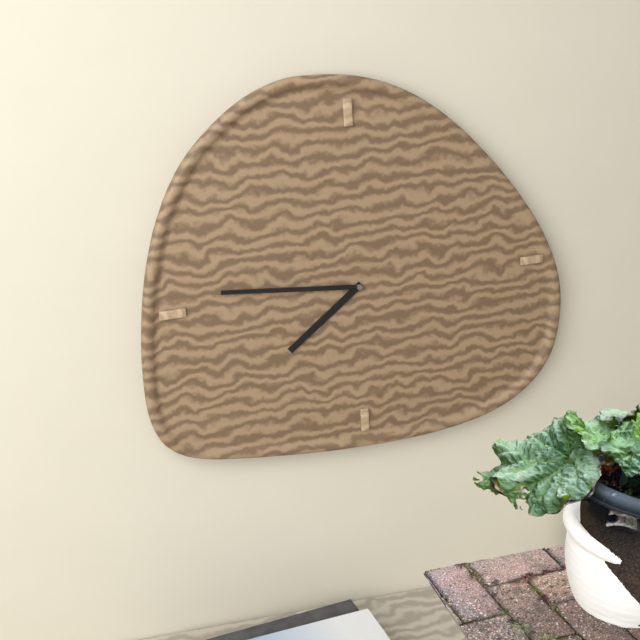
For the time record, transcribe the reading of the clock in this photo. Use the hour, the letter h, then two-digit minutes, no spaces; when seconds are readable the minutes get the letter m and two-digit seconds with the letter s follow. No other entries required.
7h46
